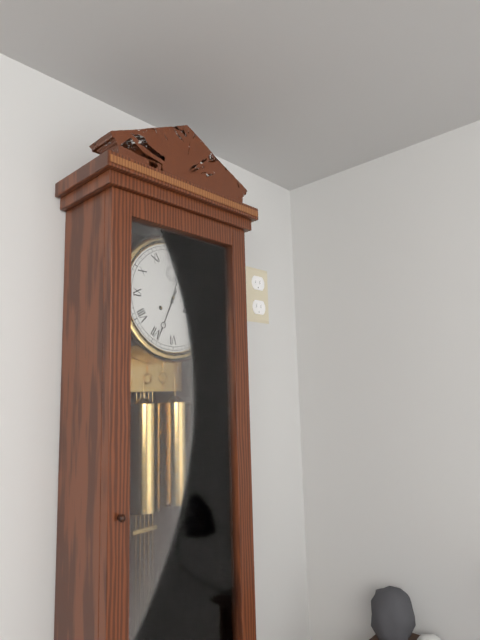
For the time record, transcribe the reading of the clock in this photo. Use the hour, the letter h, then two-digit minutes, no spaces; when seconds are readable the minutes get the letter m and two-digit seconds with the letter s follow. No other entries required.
12h34
